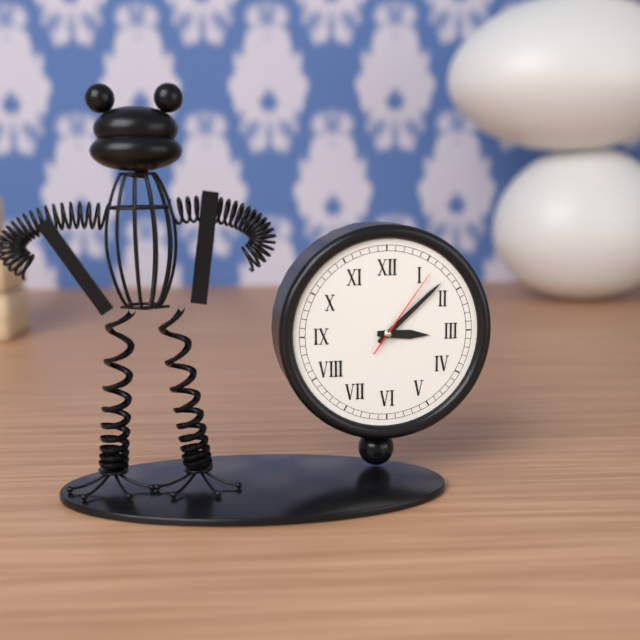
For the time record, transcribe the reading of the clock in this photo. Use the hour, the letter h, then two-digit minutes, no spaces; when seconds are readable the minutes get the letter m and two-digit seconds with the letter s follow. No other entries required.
3h08m06s
